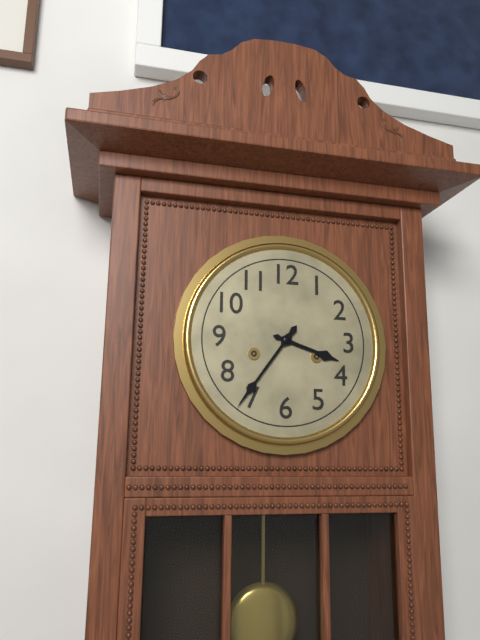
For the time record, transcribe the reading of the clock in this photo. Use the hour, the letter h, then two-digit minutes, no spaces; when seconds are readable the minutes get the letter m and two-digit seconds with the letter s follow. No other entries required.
3h36
